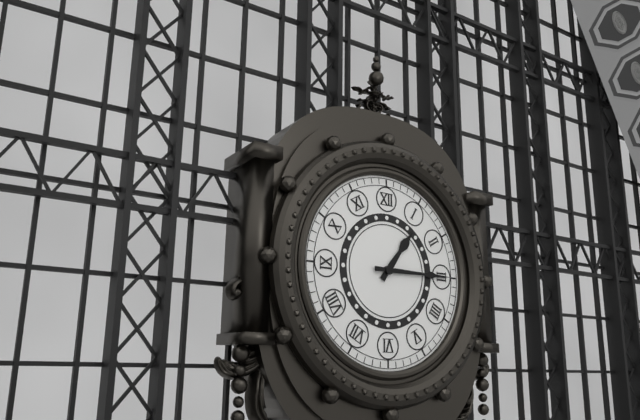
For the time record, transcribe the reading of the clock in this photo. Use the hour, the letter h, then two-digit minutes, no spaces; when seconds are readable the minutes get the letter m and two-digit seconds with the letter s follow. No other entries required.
1h15
